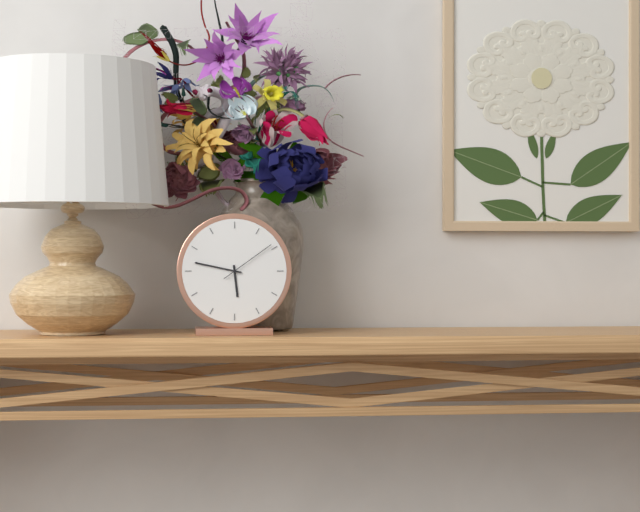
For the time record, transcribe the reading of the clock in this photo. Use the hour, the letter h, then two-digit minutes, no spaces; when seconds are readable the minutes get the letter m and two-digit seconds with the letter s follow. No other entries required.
5h47m09s
